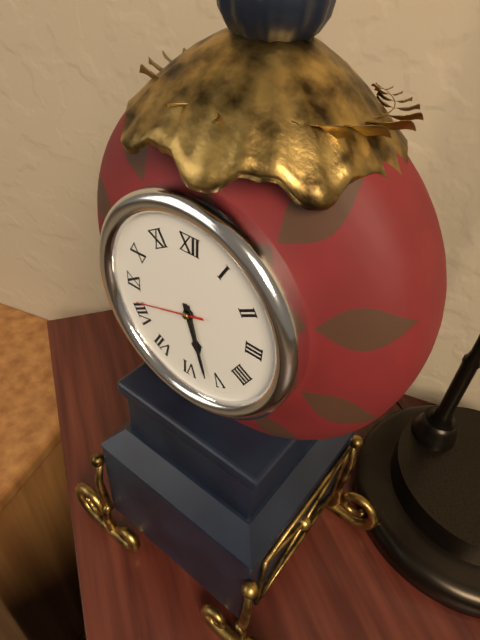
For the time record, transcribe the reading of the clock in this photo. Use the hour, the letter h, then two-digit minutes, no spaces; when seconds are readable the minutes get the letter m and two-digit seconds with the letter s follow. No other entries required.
5h27m42s
